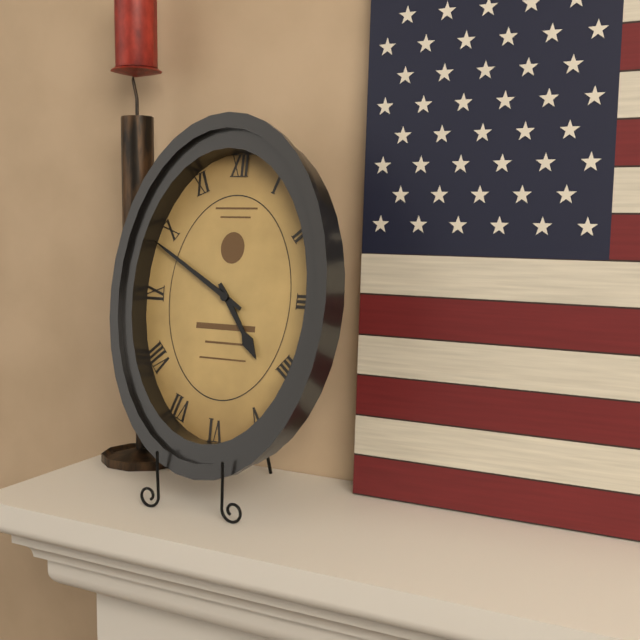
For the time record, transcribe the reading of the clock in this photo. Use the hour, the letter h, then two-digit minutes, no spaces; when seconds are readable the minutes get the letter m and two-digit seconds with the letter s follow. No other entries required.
4h50
